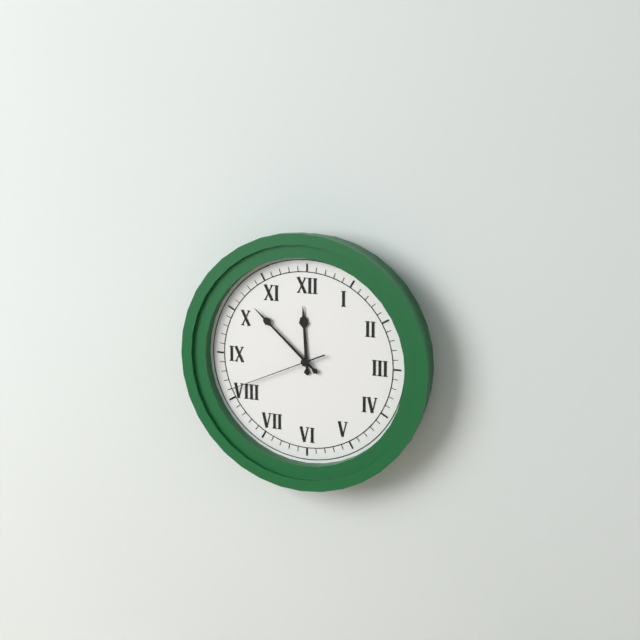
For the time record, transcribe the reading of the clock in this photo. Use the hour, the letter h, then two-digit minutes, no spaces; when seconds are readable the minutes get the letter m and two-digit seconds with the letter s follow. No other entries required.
11h52m41s
